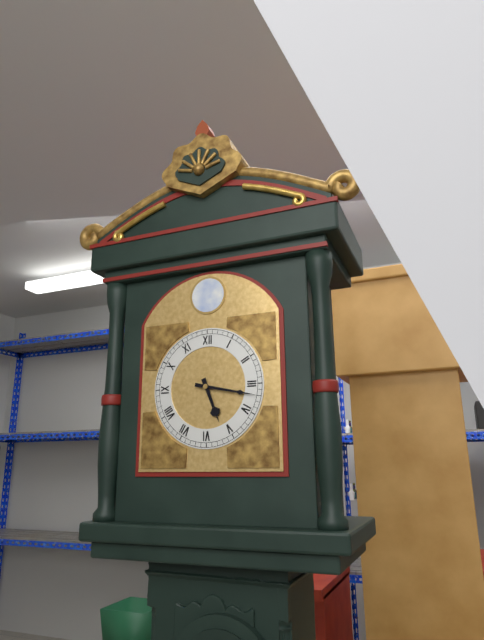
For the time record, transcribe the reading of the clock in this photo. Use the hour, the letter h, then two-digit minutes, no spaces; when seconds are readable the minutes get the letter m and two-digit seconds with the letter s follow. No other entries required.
5h17
